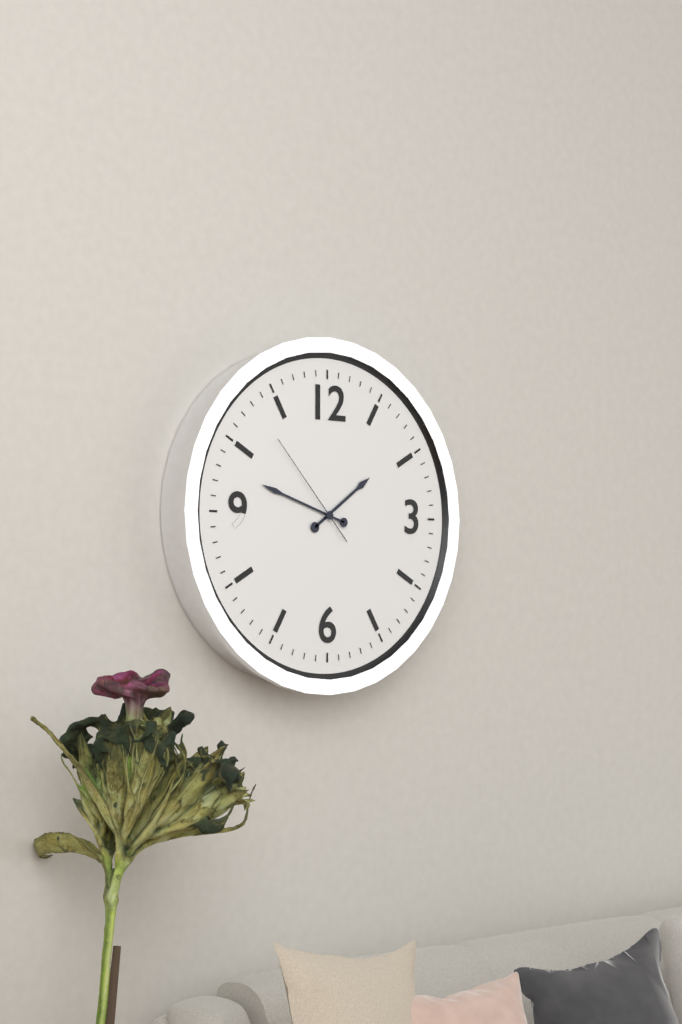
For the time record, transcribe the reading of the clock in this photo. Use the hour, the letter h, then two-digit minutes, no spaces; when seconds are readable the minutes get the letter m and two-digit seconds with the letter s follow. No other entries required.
1h48m53s
